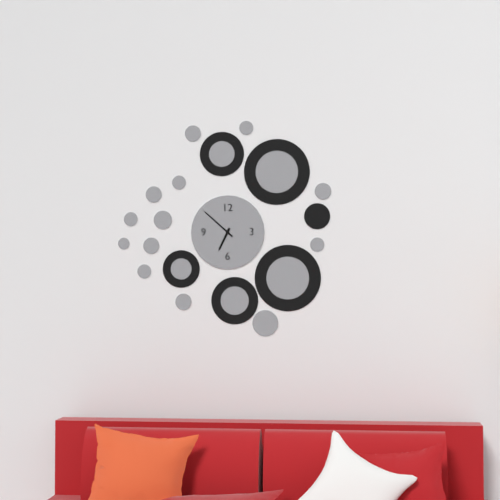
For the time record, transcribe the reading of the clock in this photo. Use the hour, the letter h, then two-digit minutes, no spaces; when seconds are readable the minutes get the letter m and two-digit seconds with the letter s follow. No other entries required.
6h52
